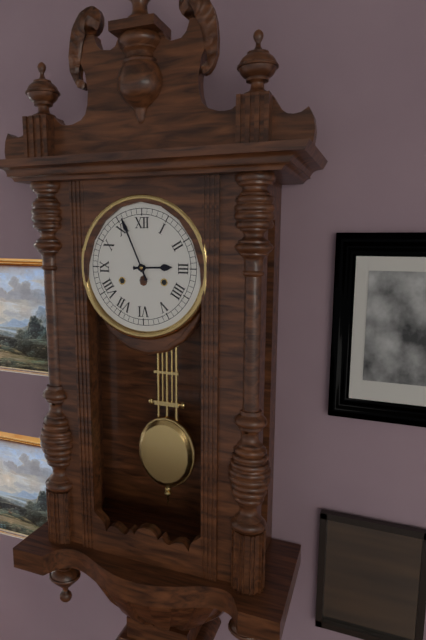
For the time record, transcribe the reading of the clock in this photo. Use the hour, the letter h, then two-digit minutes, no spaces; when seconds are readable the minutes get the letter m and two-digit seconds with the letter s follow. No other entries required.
2h56
